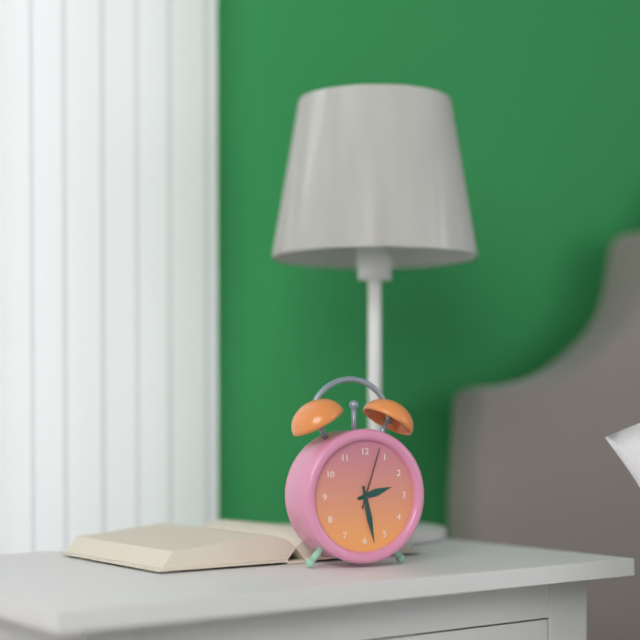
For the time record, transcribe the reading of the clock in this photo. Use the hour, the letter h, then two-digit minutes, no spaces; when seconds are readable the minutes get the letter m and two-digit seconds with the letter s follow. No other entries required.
2h28m03s
